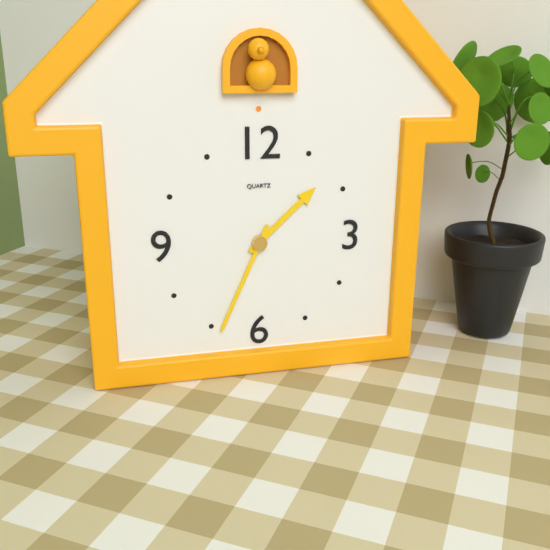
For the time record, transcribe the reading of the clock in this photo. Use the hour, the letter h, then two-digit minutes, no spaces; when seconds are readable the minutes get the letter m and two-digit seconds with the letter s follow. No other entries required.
1h34
